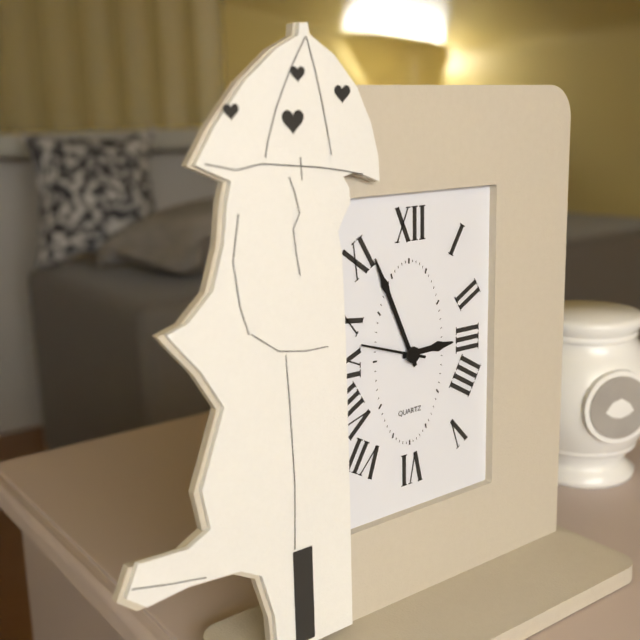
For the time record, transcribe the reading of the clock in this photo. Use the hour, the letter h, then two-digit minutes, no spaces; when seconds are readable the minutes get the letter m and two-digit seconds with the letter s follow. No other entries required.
2h56m48s
